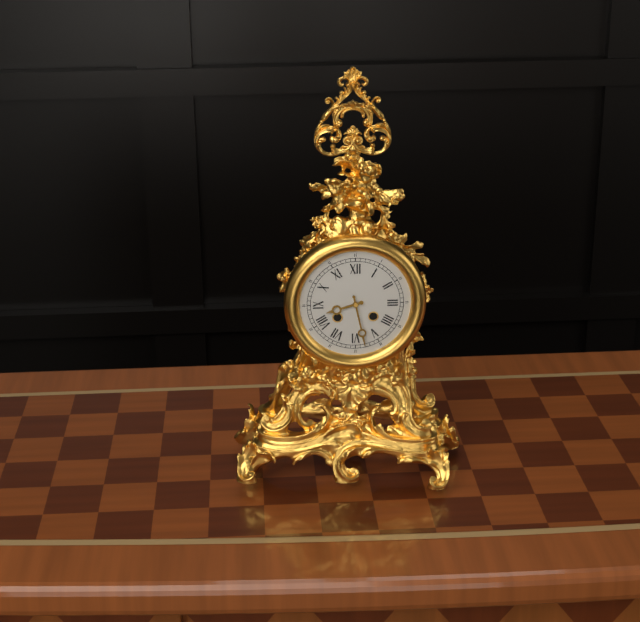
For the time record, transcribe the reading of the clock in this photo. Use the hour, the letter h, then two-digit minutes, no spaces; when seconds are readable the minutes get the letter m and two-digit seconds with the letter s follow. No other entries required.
8h28
